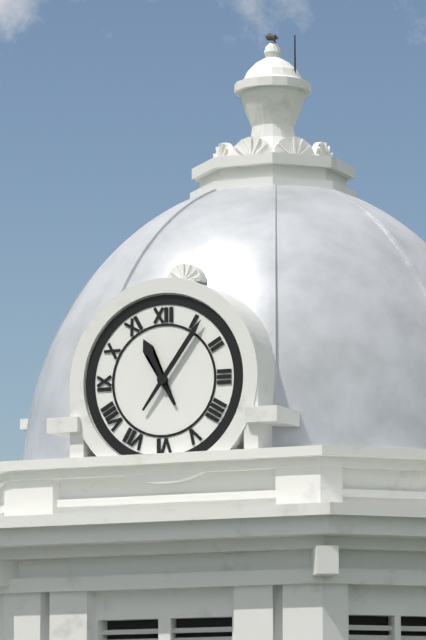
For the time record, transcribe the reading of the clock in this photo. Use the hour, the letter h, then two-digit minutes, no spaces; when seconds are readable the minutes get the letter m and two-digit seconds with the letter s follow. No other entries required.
11h06
